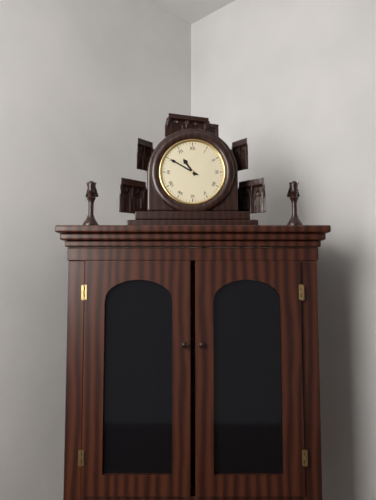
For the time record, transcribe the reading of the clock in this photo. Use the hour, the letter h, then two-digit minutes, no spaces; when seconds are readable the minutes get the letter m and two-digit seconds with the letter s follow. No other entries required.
10h50
